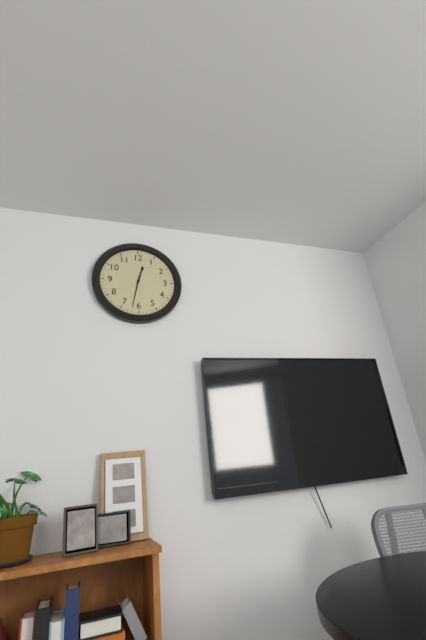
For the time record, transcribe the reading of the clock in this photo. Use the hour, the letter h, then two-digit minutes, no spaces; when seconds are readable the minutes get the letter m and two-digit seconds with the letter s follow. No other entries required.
12h32
